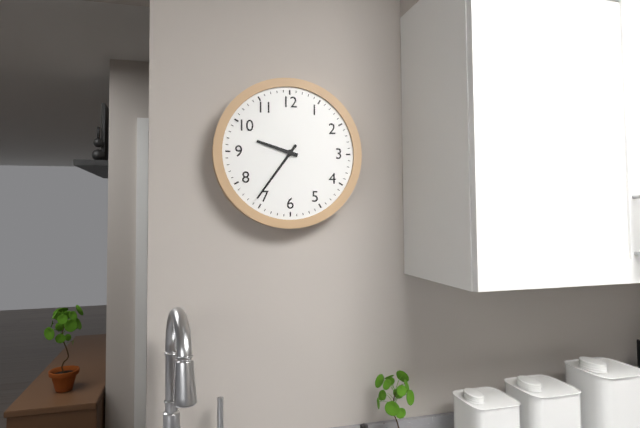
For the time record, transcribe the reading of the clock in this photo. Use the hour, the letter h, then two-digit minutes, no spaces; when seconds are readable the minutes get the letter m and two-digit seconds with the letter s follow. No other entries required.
9h36
